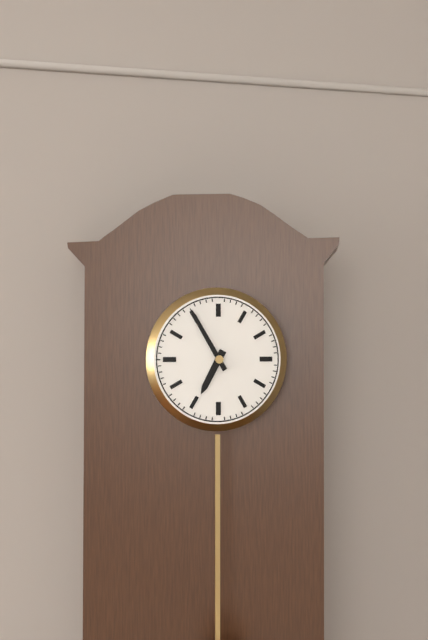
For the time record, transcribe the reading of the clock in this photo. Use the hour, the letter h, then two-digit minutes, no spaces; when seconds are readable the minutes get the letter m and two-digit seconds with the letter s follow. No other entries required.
6h55
